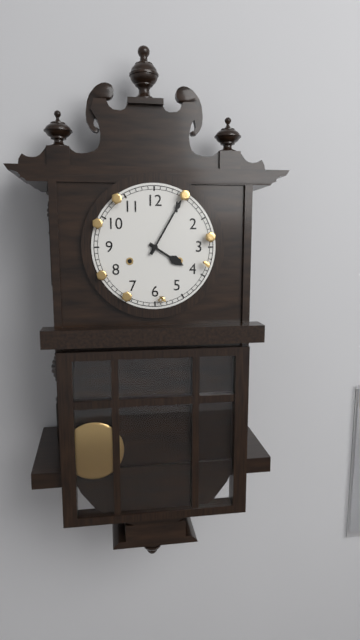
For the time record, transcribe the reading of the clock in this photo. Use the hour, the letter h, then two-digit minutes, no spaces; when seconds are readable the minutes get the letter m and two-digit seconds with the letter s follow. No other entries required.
4h05
